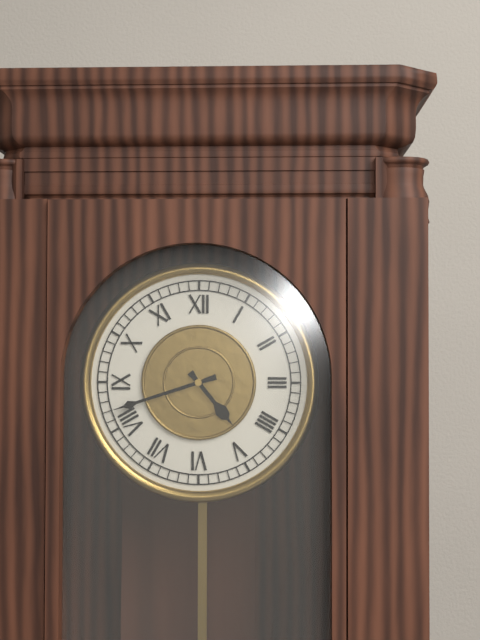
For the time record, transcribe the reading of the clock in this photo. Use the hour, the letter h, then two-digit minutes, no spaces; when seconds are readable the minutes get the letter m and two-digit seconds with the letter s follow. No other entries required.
4h42
